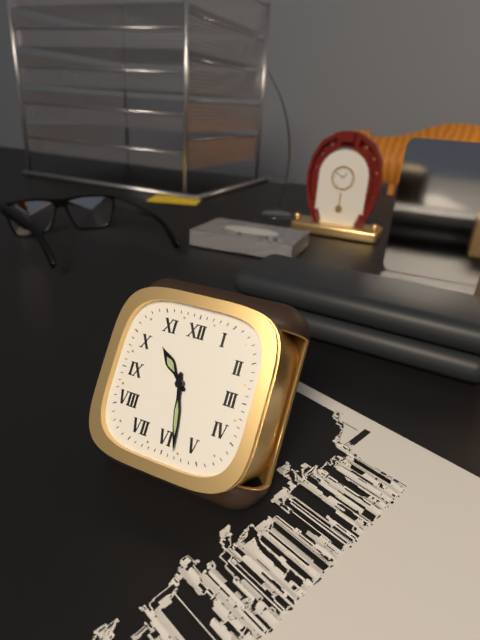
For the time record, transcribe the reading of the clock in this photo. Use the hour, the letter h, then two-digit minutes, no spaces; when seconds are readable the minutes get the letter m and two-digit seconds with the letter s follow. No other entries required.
10h28
